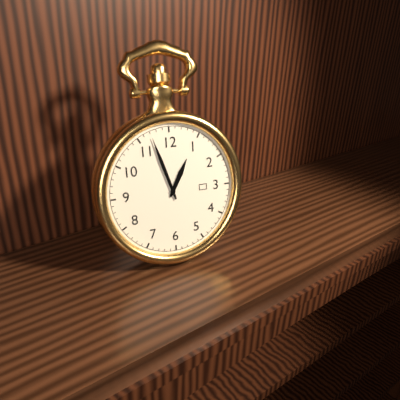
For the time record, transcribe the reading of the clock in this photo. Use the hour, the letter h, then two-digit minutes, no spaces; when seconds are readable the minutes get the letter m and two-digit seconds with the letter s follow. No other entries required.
12h57
